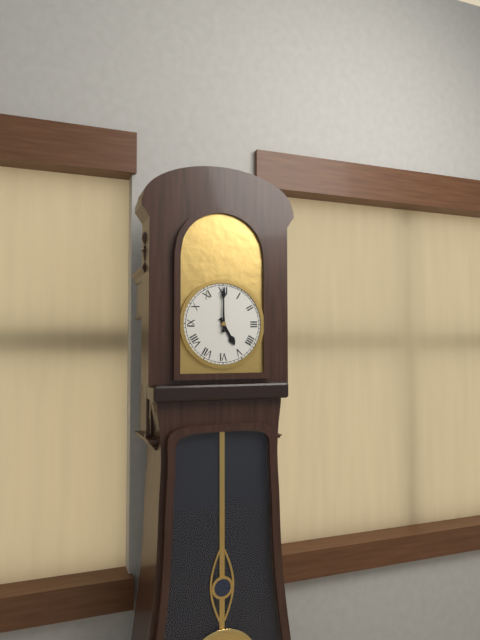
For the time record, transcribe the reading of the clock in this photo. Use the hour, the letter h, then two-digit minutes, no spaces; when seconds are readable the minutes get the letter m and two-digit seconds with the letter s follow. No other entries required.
5h00
